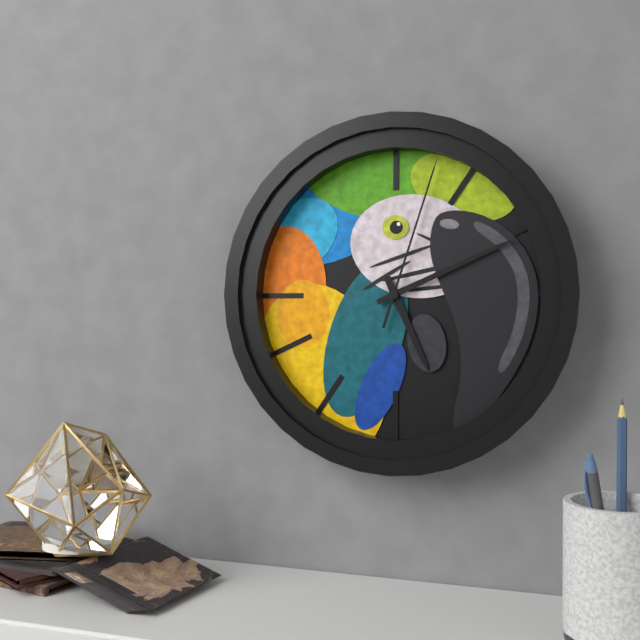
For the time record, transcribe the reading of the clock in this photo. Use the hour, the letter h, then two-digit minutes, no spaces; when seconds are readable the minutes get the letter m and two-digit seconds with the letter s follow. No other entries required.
5h11m03s
